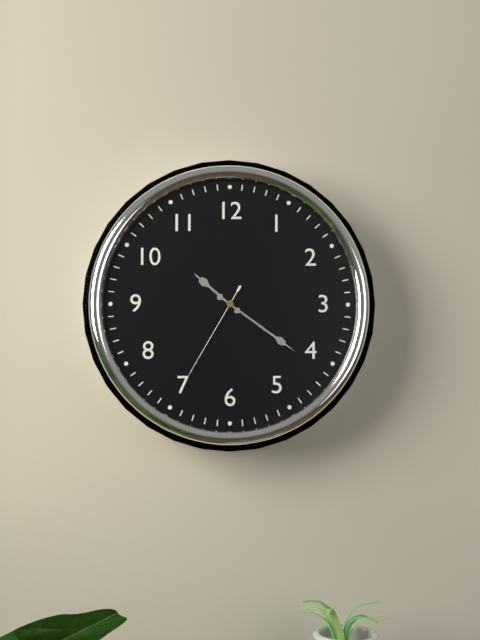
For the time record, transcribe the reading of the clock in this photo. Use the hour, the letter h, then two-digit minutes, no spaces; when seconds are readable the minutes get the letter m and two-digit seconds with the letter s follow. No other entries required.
10h21m35s
